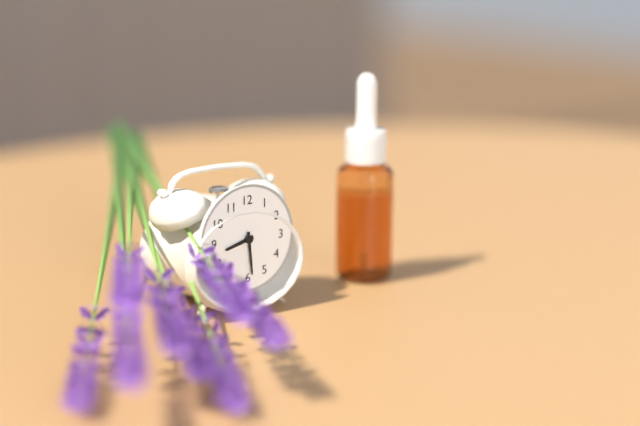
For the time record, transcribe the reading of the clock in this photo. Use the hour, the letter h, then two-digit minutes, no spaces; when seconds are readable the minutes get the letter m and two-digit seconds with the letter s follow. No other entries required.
8h29
